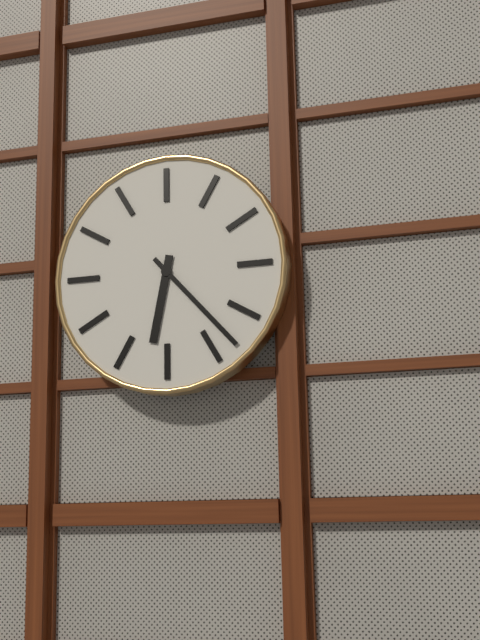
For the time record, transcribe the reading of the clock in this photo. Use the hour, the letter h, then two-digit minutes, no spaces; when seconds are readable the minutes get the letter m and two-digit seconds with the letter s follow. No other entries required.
6h23
